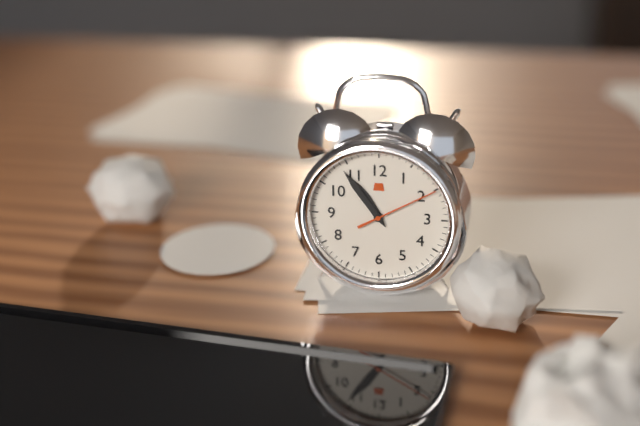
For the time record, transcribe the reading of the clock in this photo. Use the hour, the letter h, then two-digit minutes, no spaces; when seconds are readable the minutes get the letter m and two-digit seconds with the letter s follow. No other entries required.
10h54m10s
